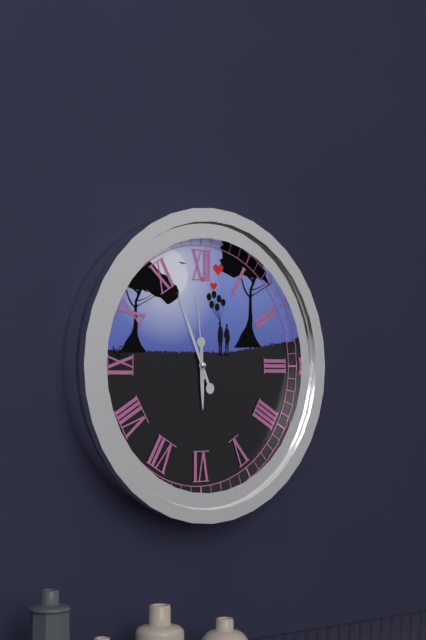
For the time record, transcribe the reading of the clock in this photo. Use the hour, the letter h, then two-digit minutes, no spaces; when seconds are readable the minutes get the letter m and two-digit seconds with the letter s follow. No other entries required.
5h56m59s
